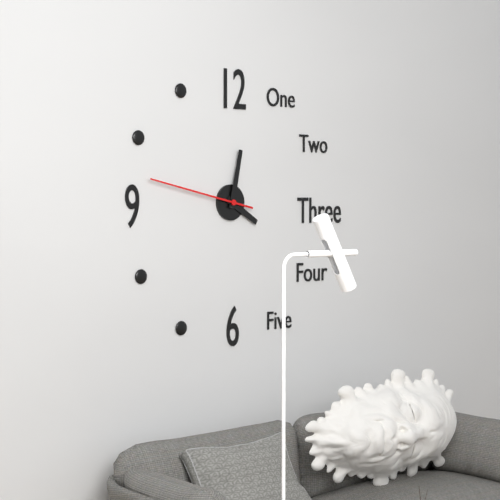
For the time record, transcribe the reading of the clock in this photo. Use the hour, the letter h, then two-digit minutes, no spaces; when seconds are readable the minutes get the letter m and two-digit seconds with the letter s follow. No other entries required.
4h02m47s
